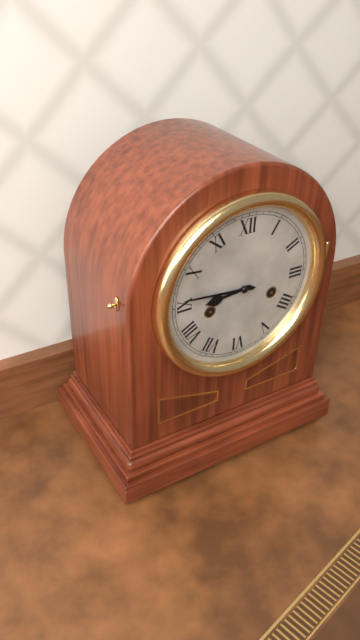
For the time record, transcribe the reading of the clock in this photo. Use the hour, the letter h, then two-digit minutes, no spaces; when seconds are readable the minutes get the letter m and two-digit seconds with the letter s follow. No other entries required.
8h46
